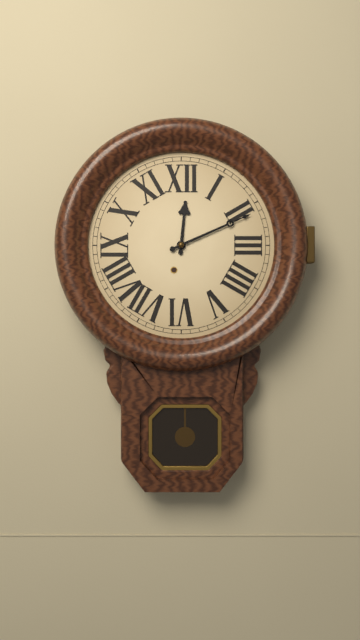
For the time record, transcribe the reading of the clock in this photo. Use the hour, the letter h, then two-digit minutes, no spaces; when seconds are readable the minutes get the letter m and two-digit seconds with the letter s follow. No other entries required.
12h11
